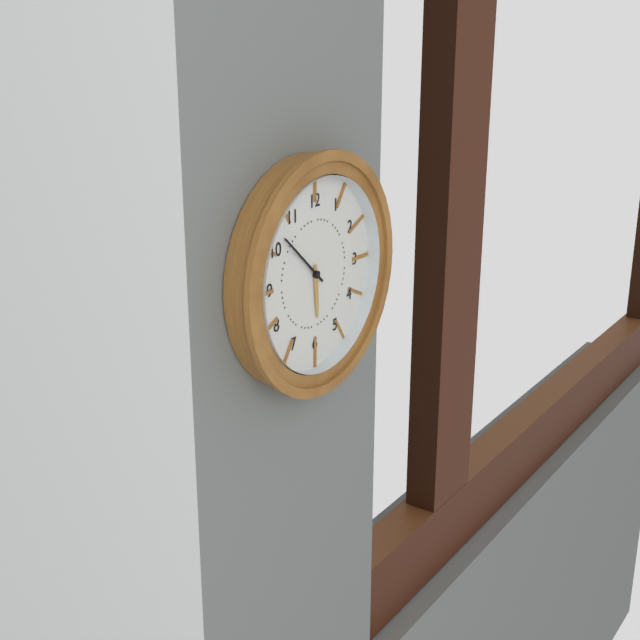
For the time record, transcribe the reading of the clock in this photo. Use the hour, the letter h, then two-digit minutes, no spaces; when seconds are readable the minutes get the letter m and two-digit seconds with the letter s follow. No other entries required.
5h52
